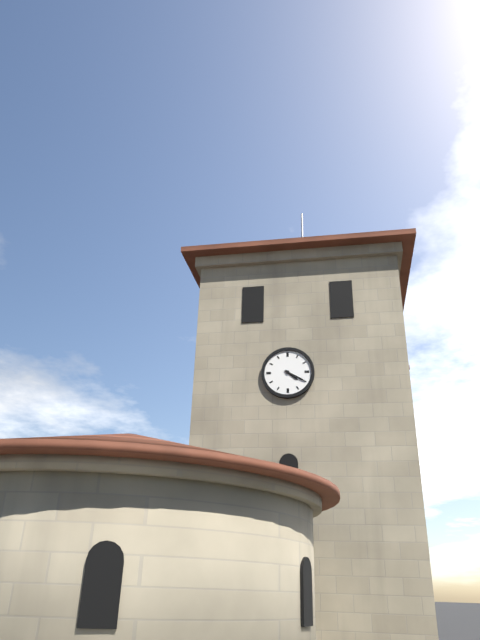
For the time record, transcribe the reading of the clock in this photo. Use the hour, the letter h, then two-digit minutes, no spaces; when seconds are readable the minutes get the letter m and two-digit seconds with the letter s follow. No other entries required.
4h20
